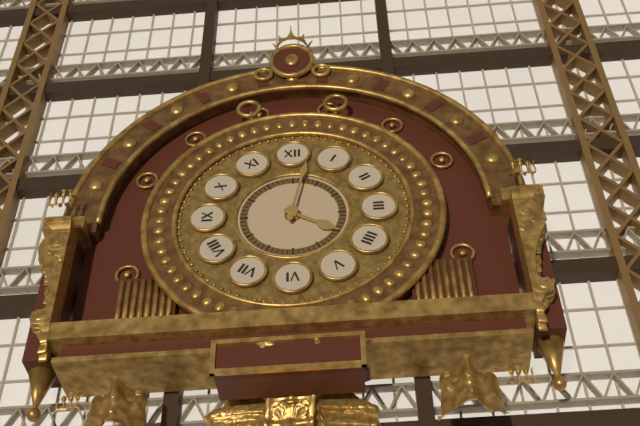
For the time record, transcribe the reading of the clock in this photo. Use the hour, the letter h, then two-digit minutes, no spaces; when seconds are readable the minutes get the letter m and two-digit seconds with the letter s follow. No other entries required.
4h02
